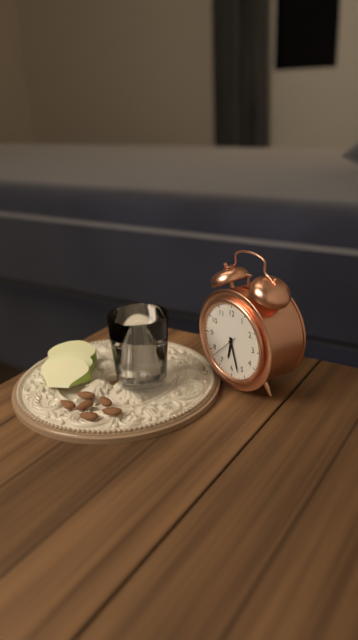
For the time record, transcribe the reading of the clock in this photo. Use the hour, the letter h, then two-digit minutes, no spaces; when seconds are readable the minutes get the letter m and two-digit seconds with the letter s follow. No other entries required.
6h27
